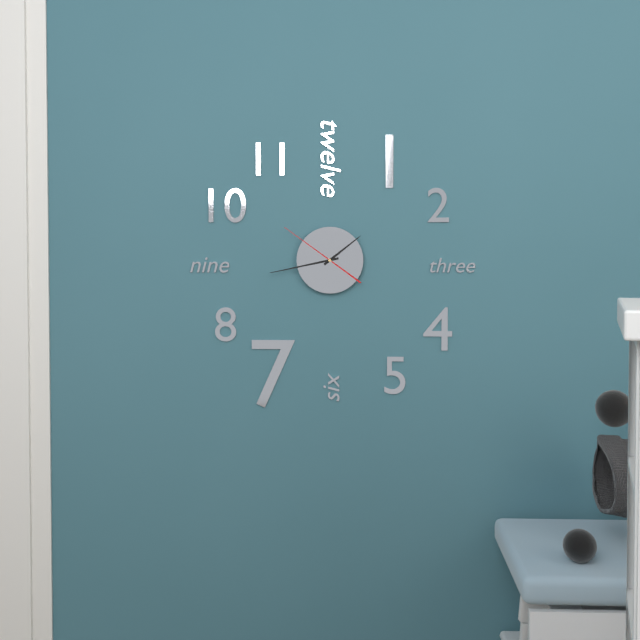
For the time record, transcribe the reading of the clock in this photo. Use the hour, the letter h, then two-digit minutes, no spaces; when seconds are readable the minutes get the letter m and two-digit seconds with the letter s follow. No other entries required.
1h43m51s
